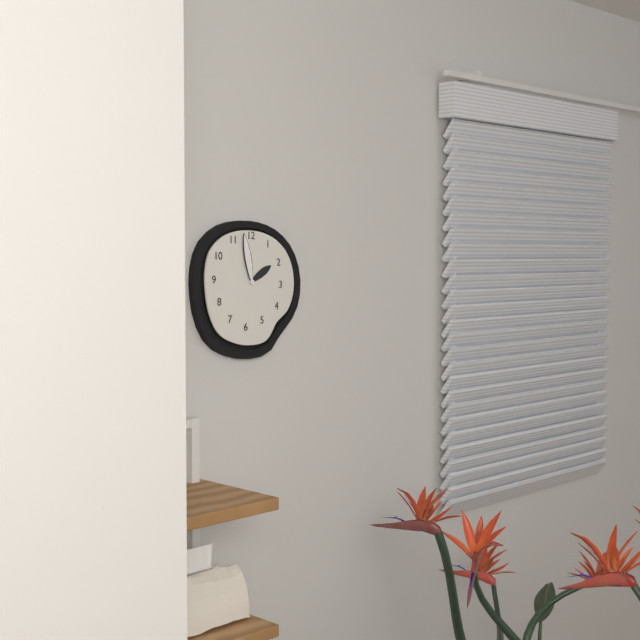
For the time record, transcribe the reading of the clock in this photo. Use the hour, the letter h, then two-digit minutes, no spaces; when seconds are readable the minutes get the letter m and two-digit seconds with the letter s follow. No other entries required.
1h58
